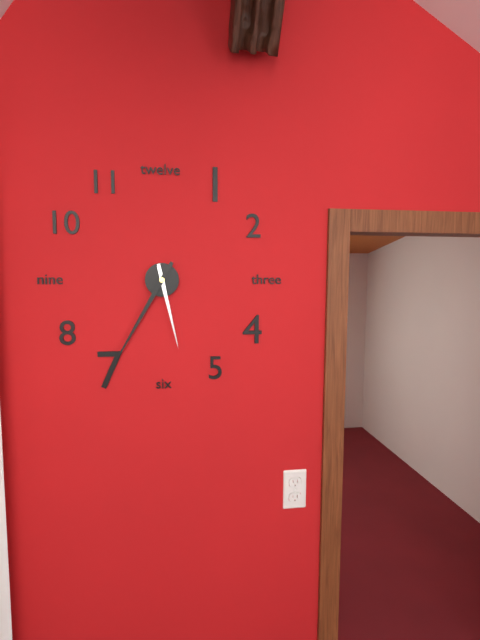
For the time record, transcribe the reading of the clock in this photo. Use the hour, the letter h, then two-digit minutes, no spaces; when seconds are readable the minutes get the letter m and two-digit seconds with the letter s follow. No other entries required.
5h35
